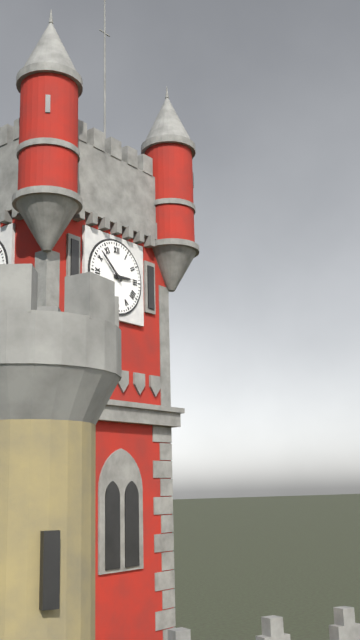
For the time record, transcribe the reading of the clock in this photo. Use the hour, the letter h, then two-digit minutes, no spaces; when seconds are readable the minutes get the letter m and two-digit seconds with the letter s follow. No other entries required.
2h52
